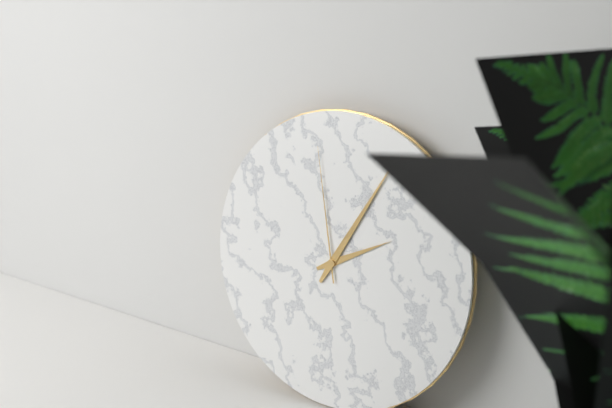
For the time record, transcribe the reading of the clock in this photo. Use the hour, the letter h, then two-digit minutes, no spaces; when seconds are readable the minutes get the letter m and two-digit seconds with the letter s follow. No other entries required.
2h05m58s
